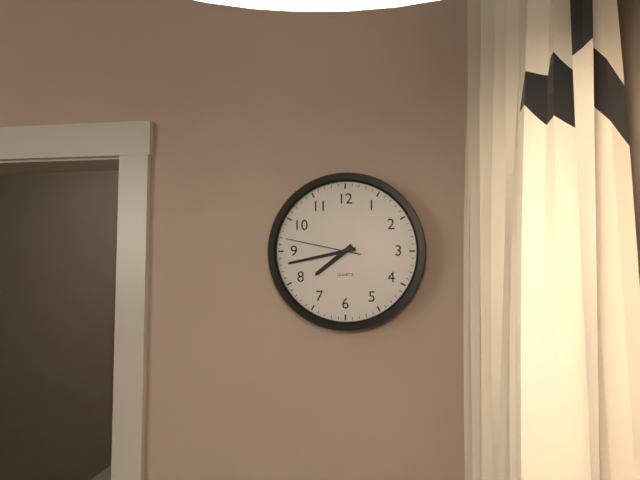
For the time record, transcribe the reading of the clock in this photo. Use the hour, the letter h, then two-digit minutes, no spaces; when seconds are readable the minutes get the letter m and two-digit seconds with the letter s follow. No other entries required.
7h43m47s
